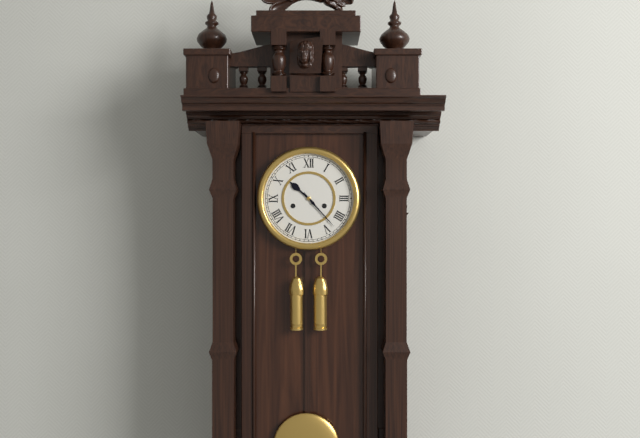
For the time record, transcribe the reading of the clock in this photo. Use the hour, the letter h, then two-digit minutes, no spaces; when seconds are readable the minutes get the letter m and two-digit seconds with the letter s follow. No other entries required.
10h23
